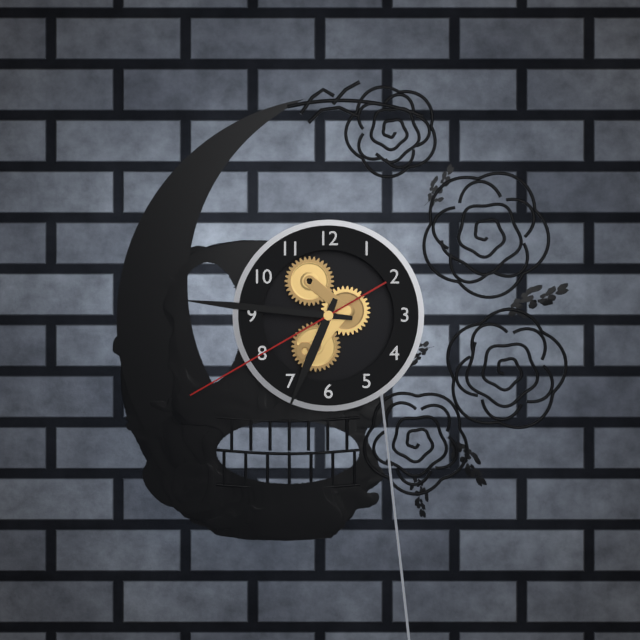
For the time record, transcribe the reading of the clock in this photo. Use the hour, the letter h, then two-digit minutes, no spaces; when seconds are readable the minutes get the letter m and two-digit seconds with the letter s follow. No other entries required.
6h46m40s
